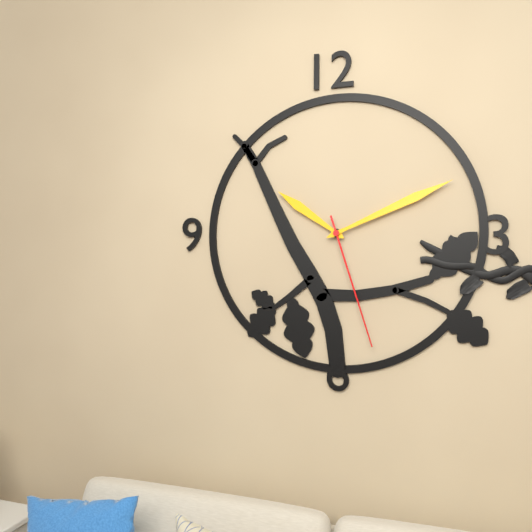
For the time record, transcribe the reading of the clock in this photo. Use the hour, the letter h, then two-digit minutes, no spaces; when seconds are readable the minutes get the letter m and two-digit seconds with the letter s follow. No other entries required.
10h11m27s
